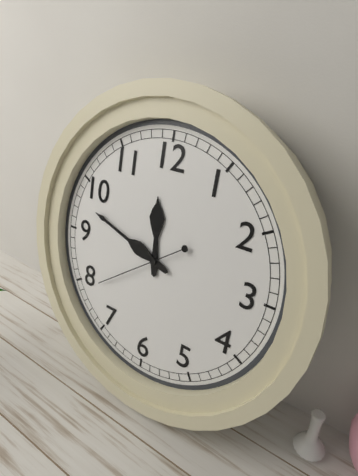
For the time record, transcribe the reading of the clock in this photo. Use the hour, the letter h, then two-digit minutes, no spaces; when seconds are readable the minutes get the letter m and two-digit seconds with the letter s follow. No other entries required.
11h48m39s
